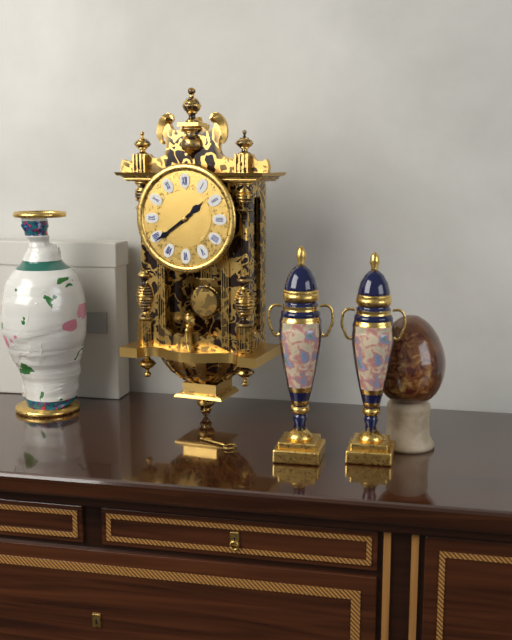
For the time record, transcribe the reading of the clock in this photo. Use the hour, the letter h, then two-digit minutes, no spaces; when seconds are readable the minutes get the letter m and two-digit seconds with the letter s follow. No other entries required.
1h39
